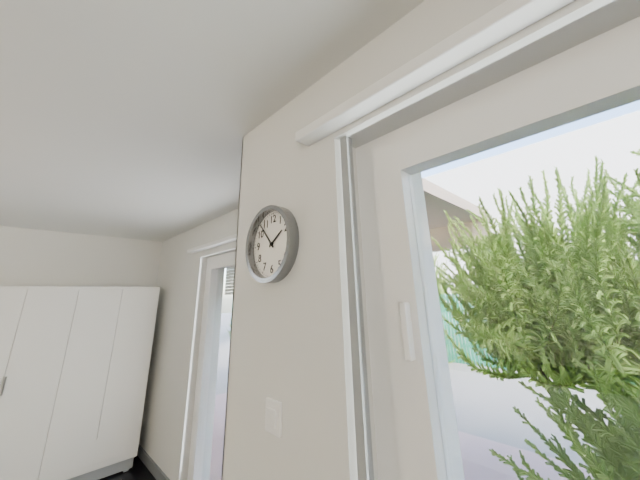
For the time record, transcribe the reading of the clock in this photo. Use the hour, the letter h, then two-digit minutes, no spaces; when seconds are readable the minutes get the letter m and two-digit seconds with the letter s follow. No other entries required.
1h53
